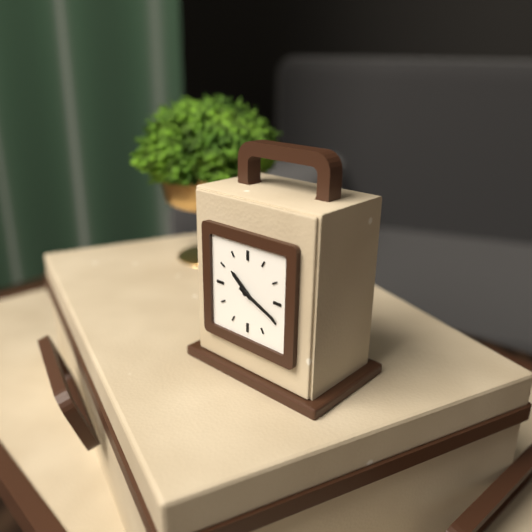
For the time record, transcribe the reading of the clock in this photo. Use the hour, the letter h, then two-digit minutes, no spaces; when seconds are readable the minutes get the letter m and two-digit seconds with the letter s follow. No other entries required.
10h19
